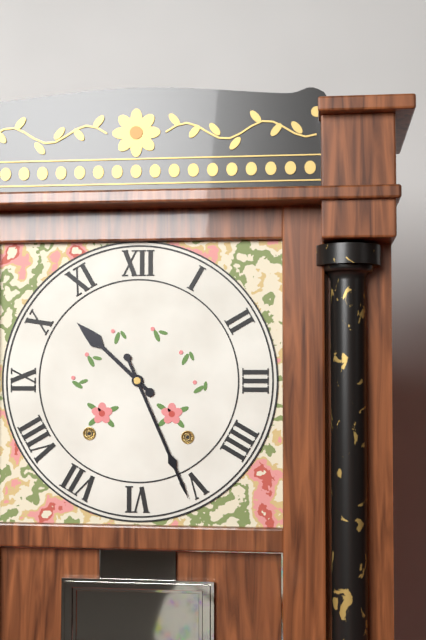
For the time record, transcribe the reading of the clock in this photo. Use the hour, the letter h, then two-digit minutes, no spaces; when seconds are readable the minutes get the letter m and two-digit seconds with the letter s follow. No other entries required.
10h26
